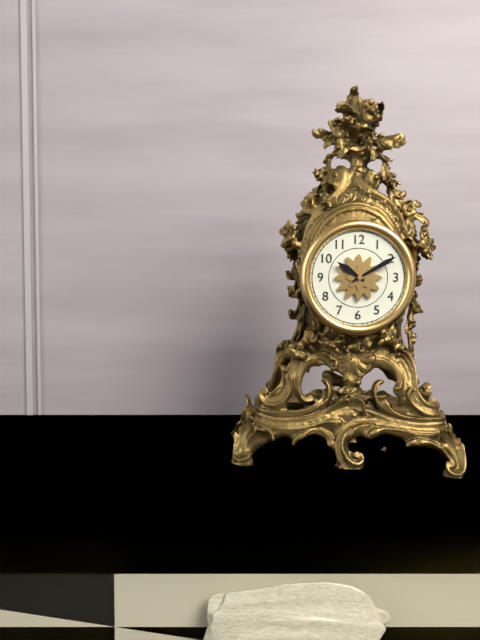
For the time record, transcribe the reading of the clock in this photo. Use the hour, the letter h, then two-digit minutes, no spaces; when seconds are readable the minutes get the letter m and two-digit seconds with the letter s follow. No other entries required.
10h10
